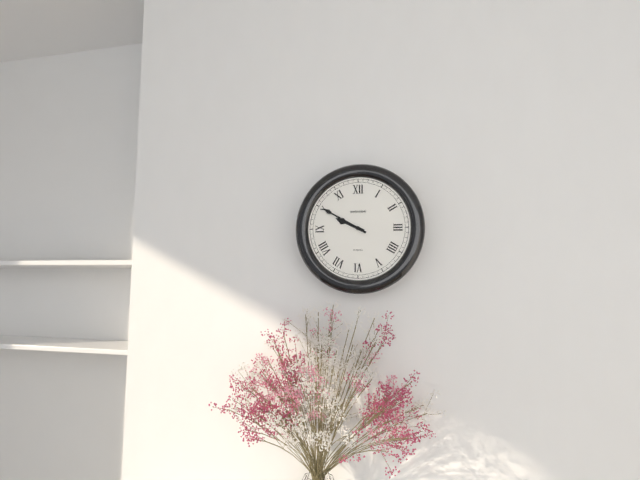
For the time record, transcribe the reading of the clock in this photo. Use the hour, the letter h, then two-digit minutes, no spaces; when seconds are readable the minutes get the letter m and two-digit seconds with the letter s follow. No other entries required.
9h50
